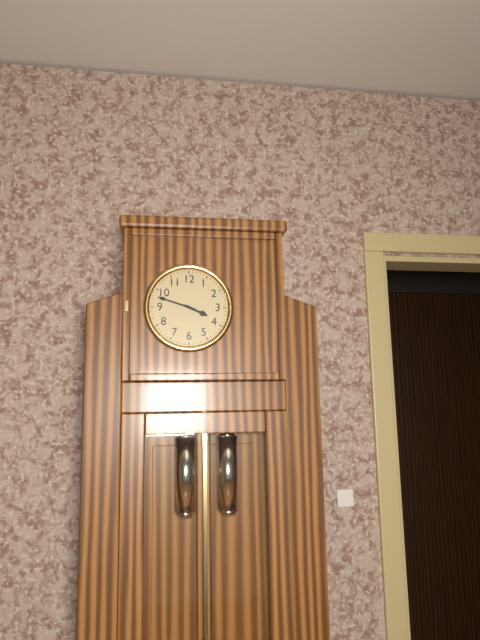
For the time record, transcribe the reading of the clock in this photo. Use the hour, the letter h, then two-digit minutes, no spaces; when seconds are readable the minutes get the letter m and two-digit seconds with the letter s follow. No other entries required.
3h48
